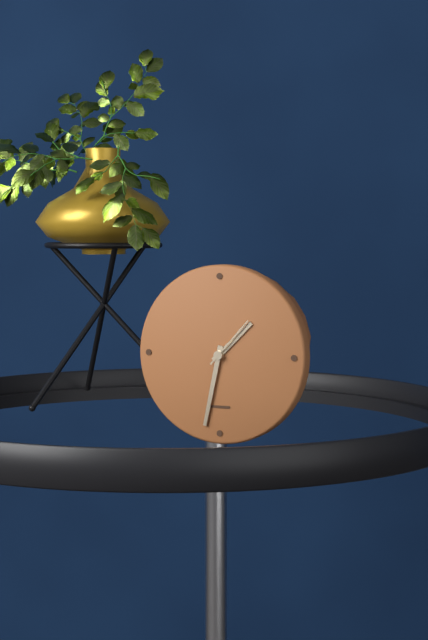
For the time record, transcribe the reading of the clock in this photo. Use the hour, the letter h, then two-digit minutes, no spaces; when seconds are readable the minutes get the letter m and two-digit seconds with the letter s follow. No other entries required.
1h32
